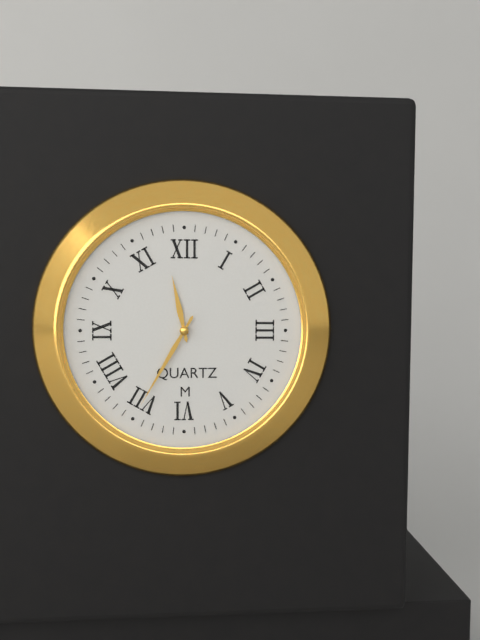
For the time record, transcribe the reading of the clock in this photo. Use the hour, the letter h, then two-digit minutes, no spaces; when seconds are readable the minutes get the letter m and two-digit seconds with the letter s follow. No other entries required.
11h35
